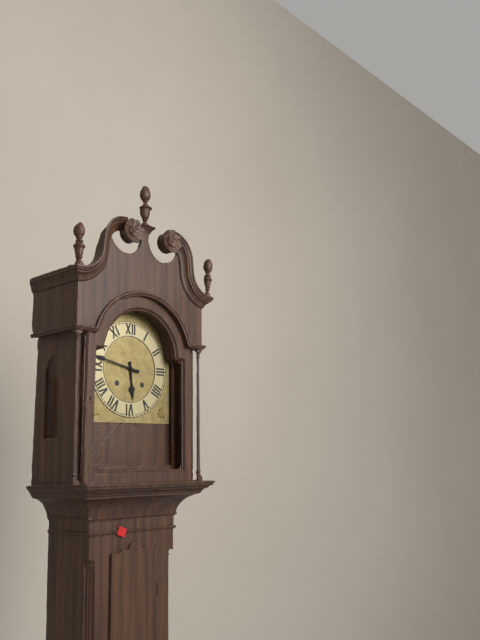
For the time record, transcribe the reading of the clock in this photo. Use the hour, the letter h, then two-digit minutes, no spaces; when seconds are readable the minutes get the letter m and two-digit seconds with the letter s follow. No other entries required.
5h47
